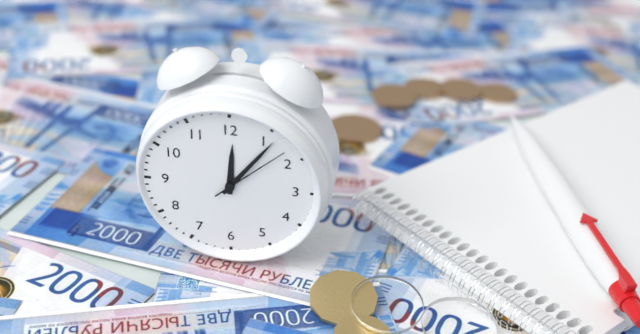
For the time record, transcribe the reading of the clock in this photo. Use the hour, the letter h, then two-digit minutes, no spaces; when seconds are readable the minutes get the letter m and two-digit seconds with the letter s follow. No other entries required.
12h06m08s
